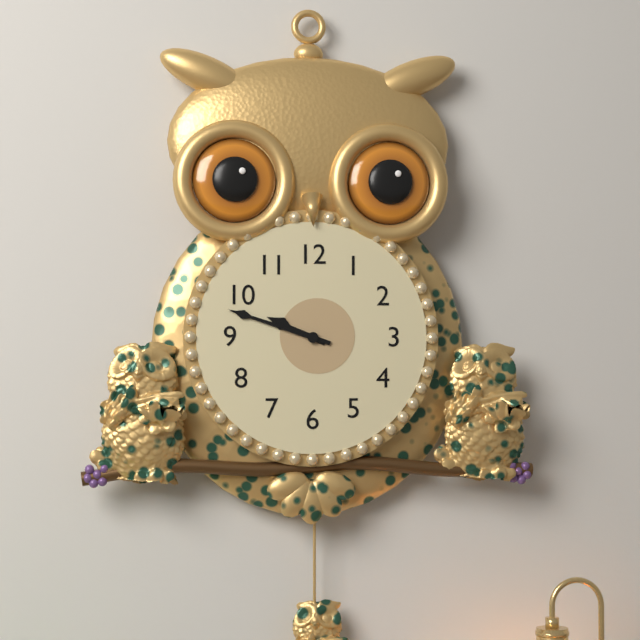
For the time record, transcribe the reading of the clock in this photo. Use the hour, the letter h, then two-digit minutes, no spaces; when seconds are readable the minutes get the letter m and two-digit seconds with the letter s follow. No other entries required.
9h48
